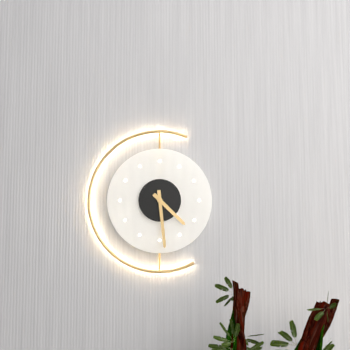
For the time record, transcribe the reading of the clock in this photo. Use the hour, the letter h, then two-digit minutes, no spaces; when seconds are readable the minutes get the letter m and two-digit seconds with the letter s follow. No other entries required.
4h29
